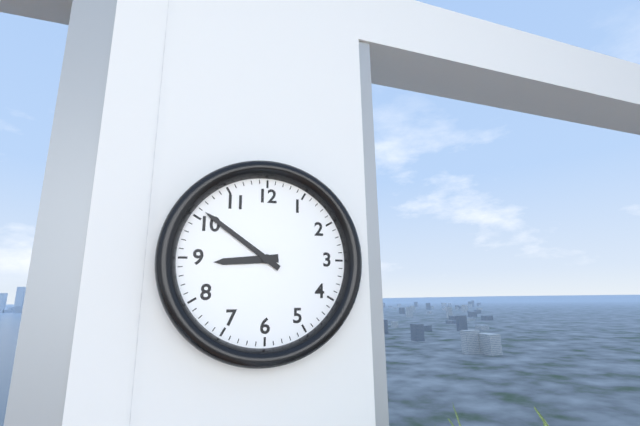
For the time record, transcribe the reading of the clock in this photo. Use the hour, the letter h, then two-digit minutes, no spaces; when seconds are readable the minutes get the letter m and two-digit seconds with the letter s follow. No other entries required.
8h51
